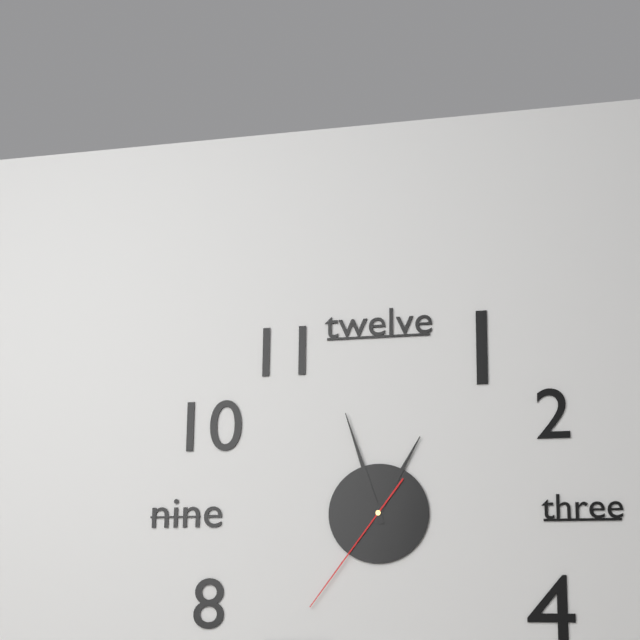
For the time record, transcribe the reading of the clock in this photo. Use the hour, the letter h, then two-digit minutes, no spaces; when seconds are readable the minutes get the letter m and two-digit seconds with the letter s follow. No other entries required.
12h57m36s
